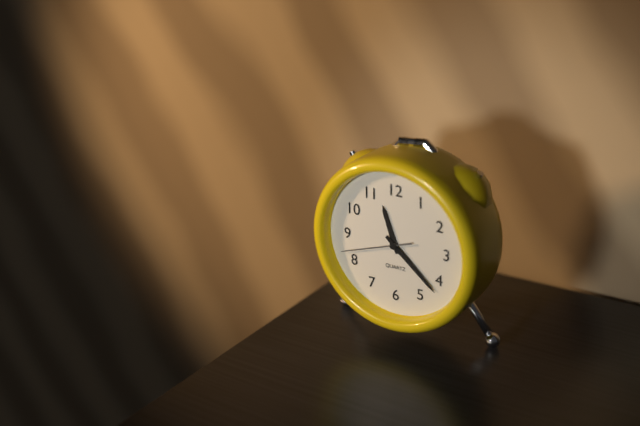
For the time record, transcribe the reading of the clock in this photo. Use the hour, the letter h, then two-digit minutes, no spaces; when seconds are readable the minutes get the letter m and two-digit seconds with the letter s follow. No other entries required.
11h22m42s
